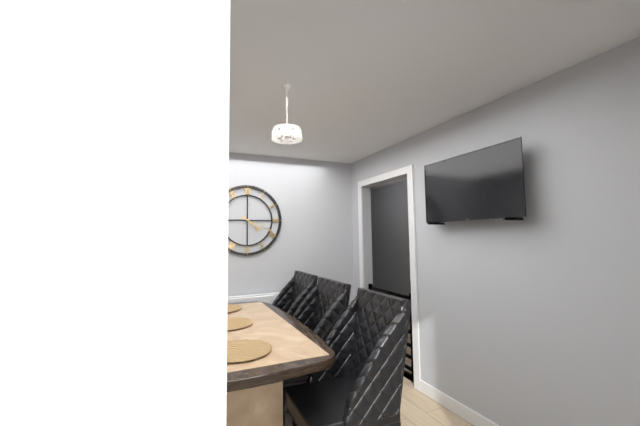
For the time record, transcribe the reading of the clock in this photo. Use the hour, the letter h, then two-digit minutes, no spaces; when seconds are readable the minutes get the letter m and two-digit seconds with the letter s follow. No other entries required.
4h19
